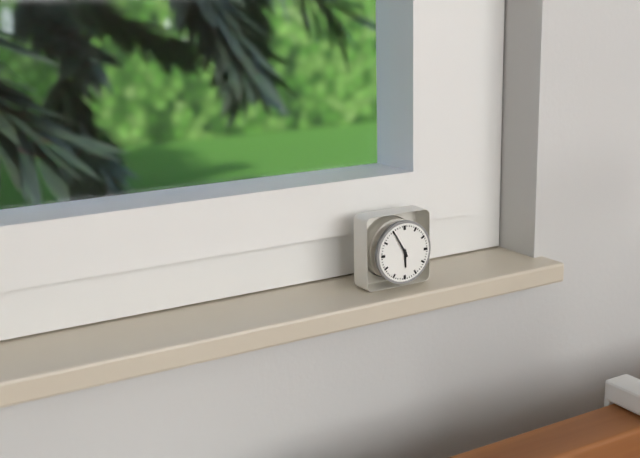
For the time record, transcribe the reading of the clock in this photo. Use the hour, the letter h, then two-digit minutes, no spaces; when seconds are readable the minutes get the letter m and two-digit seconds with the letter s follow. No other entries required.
5h55
